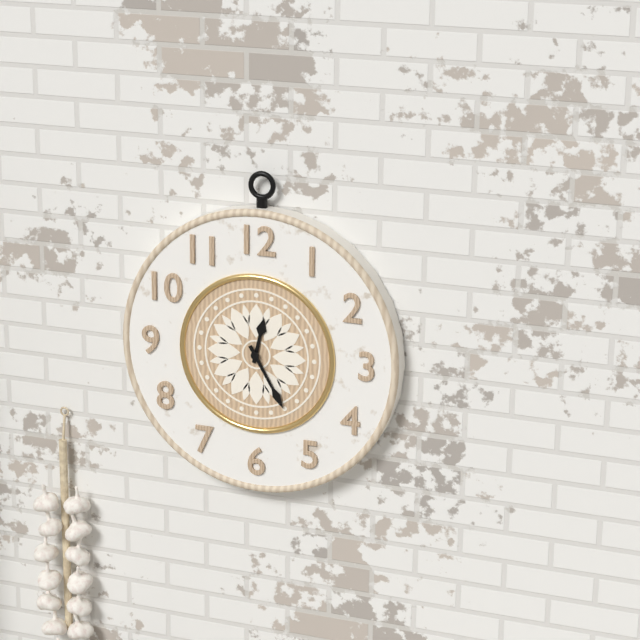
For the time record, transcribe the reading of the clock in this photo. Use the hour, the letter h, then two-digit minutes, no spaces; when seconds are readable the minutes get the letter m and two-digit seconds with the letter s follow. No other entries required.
12h25
